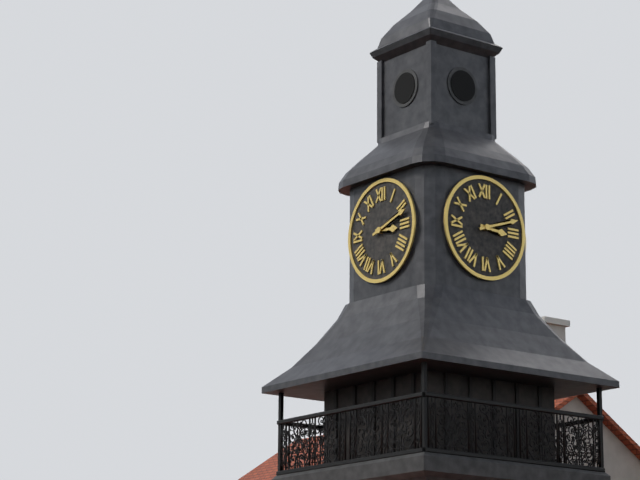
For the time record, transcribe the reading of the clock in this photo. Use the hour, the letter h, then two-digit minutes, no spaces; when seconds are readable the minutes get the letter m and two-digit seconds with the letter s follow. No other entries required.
3h12
